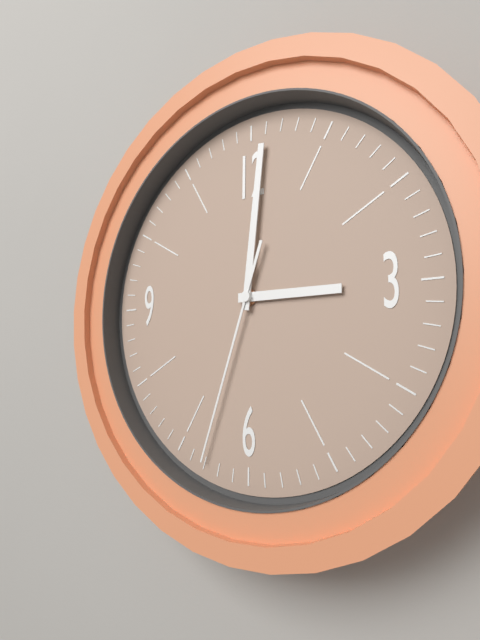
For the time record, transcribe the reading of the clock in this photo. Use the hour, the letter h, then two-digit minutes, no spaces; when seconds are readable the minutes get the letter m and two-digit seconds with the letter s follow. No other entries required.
3h01m33s
